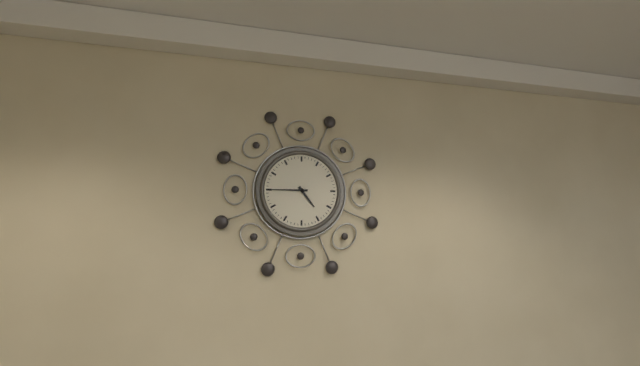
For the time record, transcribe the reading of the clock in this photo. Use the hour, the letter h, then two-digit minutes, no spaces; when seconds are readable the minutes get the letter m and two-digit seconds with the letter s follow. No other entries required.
4h45
